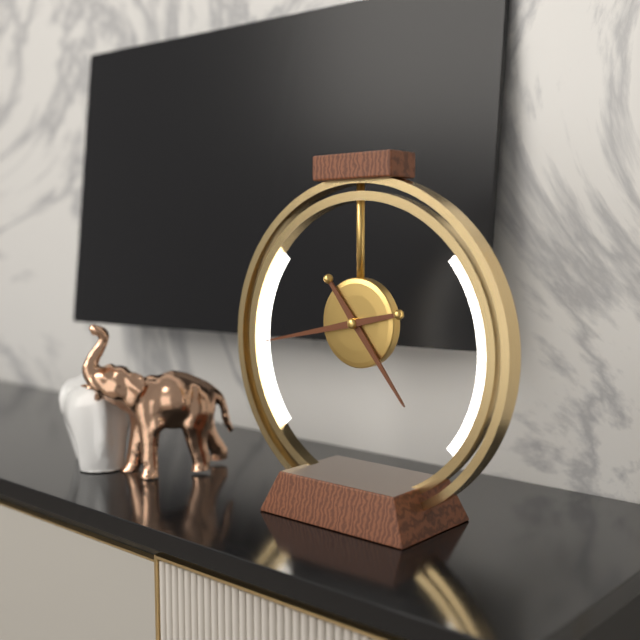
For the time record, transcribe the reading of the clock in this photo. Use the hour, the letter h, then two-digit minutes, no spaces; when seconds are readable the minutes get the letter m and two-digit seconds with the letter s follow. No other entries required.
4h43
